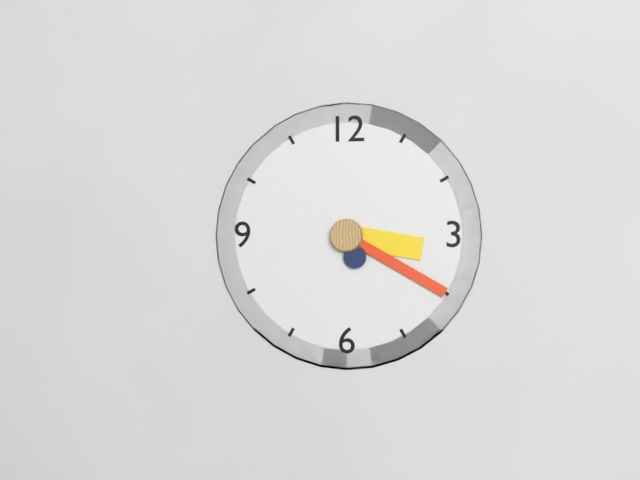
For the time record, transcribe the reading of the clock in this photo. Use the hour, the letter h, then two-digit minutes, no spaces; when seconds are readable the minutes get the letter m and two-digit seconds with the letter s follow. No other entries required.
3h20
